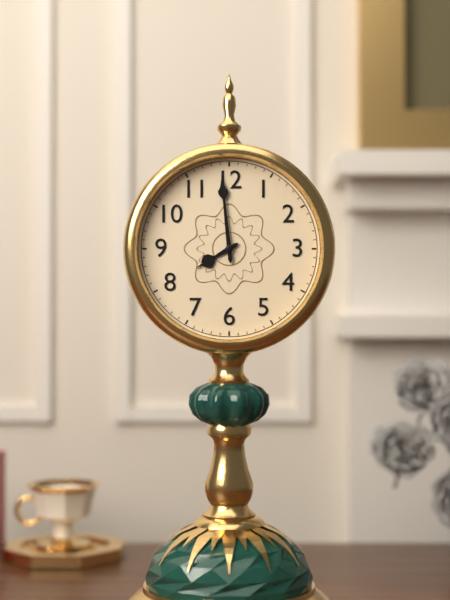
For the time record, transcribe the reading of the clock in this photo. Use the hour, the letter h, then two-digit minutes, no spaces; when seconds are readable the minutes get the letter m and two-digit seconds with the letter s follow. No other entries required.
7h59
